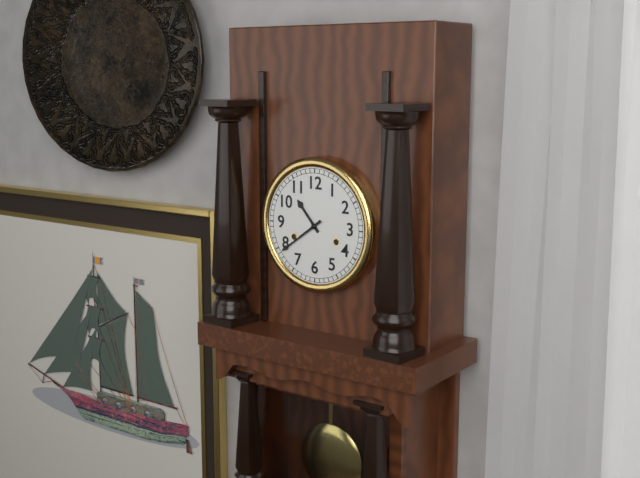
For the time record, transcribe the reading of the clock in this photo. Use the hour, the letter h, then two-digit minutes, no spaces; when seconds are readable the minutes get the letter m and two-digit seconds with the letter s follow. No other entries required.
10h39
